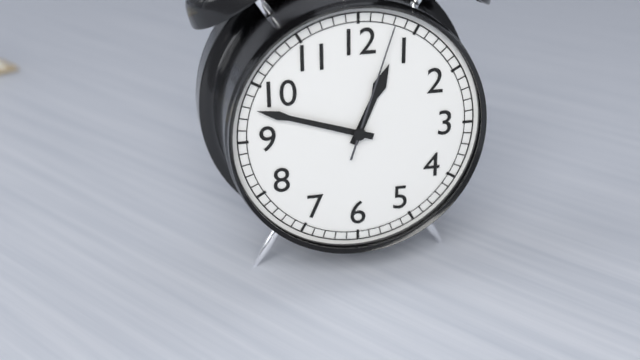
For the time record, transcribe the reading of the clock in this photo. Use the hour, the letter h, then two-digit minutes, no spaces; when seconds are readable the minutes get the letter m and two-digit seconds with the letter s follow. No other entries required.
12h48m03s
